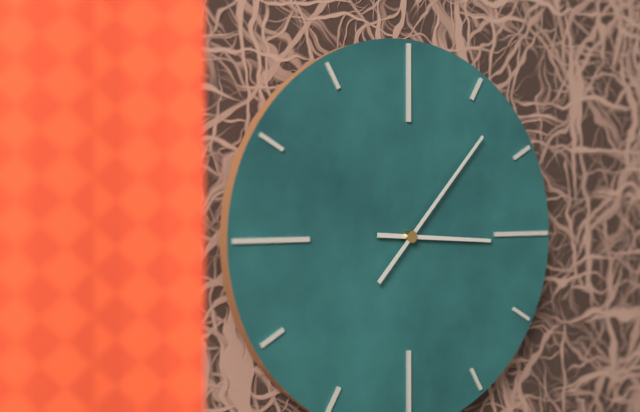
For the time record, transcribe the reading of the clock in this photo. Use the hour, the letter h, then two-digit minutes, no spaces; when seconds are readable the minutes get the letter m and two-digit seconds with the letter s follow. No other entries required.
3h07
